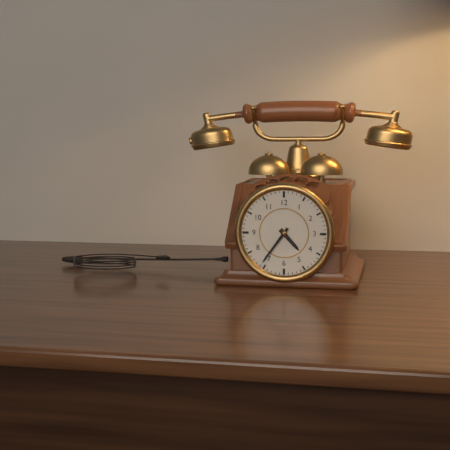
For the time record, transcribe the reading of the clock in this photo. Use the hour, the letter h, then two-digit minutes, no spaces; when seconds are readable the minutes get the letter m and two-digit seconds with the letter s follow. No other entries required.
4h36
